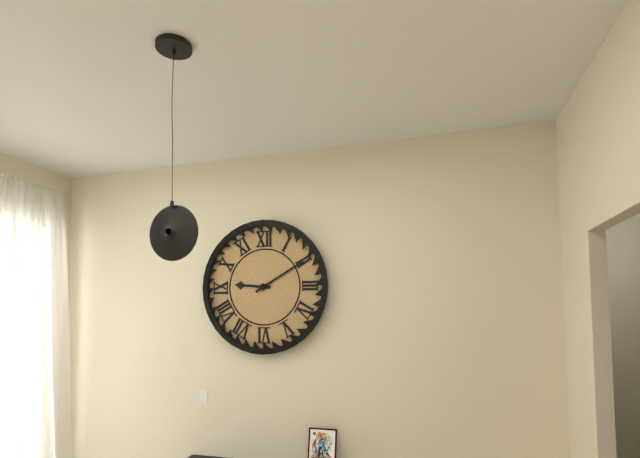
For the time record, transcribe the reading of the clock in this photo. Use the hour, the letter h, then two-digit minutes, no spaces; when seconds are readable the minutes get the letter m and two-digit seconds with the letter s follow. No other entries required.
9h10
